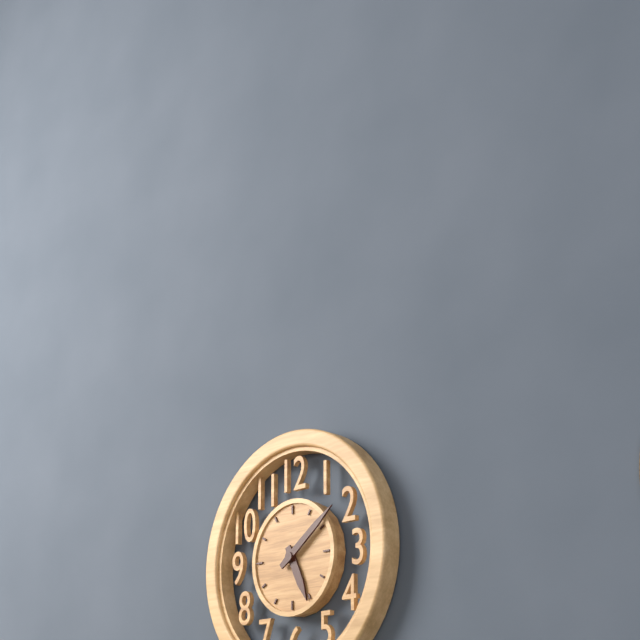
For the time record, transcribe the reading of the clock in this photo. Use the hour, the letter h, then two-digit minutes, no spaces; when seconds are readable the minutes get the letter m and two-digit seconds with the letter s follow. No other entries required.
5h09
